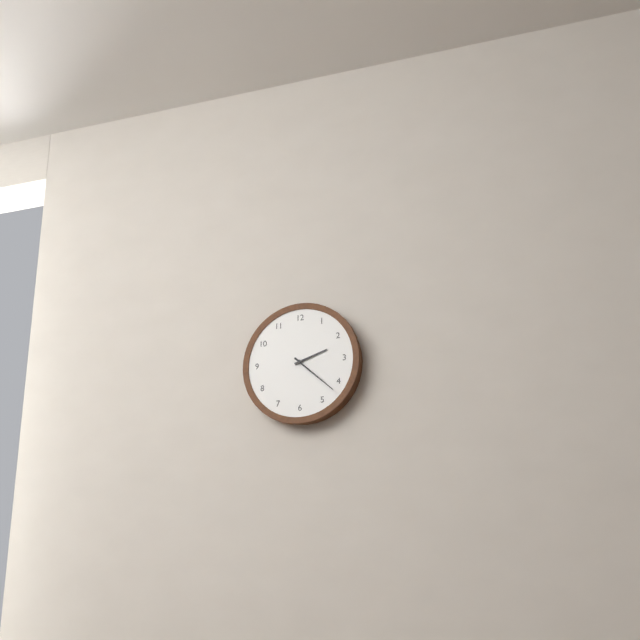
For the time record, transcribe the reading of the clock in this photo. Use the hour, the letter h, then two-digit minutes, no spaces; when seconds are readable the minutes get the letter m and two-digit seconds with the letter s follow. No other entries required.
2h22
